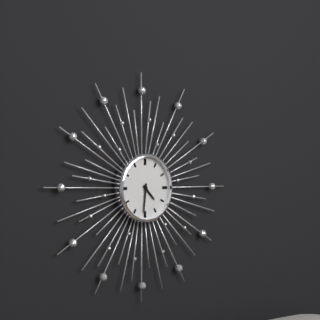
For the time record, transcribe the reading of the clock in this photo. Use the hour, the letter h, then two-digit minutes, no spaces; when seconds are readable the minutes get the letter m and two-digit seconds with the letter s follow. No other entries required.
4h31
